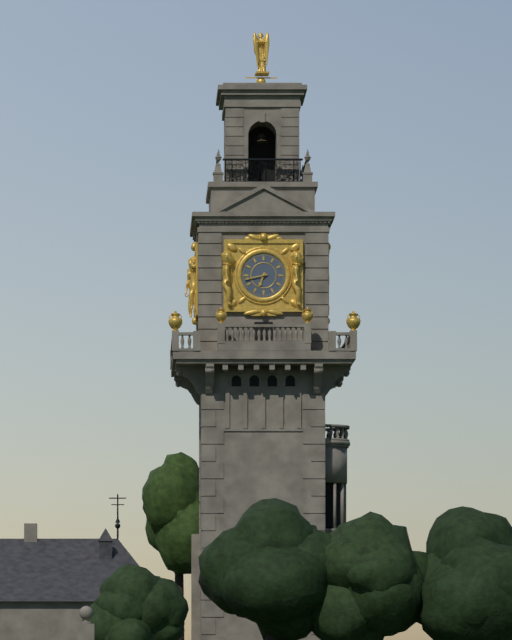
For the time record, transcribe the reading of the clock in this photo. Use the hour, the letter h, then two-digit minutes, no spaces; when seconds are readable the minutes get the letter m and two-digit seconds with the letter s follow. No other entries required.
6h43
